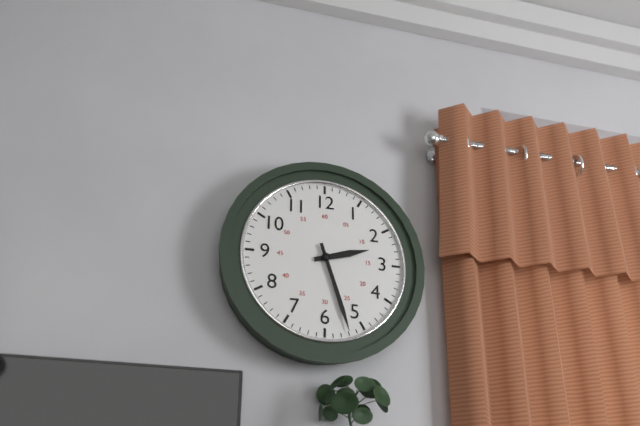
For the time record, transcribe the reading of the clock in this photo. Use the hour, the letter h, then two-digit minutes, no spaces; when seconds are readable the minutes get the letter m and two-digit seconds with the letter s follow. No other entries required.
2h27
